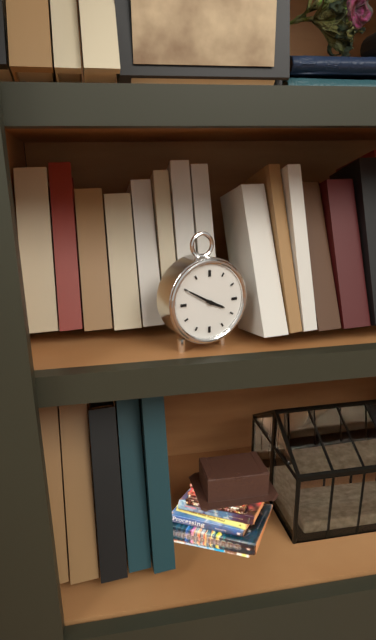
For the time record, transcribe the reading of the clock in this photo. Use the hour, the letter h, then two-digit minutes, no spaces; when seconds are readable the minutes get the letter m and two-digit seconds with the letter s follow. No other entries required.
3h50
